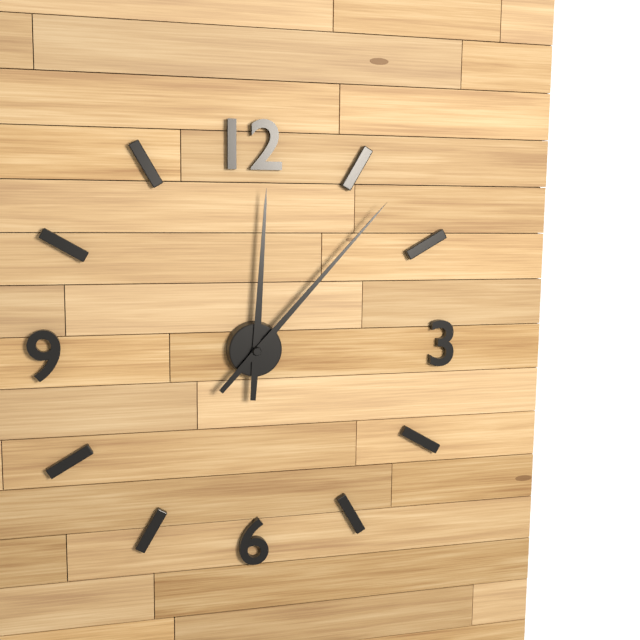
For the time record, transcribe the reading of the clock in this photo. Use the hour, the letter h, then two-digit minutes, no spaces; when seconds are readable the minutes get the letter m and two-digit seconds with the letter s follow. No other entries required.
12h07
